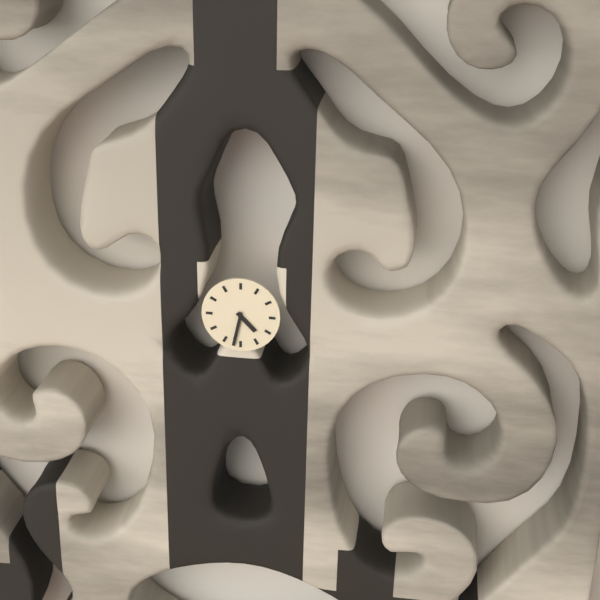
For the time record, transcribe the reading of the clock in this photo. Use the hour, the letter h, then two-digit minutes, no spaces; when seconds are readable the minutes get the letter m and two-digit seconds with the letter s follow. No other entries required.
4h32
